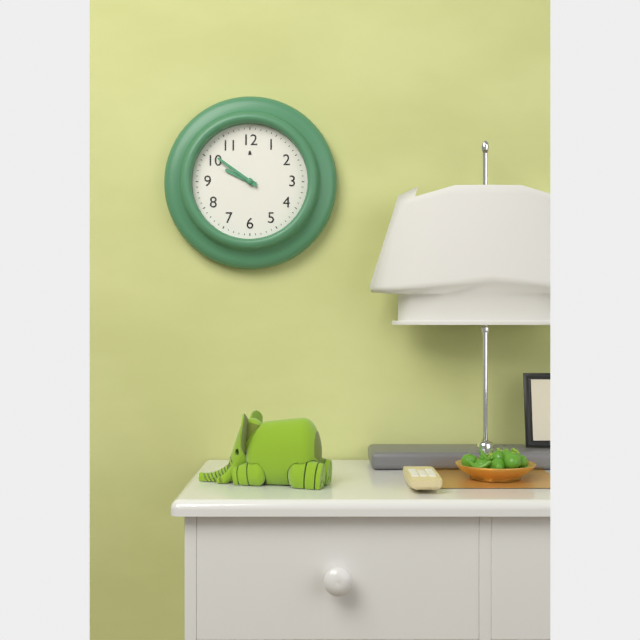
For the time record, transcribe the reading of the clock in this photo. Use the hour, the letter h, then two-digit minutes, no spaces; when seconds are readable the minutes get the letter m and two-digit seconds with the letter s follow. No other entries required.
9h51
